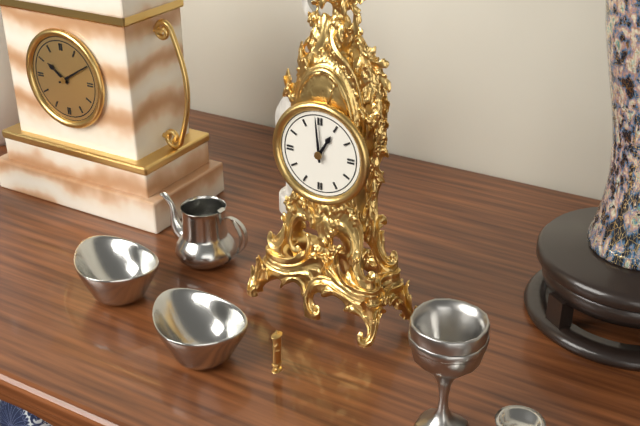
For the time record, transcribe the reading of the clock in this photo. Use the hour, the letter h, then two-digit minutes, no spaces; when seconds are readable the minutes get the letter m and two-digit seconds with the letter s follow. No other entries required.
12h59
